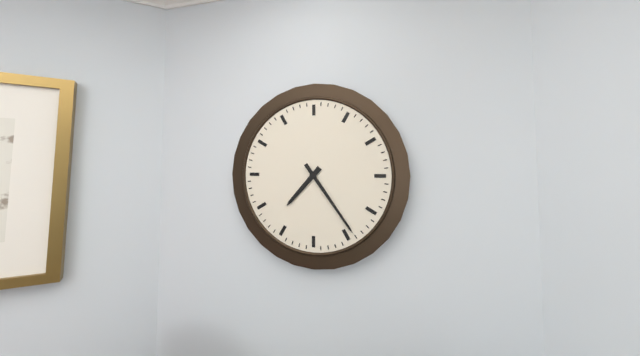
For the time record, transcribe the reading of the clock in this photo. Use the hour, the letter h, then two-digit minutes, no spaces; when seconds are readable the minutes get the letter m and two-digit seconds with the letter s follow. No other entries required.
7h24
